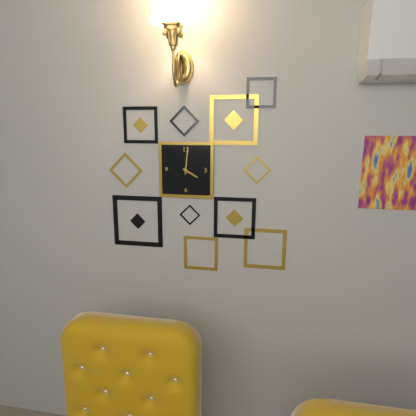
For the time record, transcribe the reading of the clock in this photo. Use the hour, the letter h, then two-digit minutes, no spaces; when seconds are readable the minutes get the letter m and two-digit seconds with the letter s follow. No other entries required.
4h01
